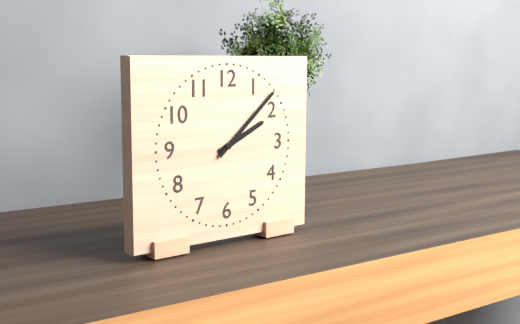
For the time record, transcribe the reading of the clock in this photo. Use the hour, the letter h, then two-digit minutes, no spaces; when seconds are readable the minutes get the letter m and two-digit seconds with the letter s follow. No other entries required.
2h08
